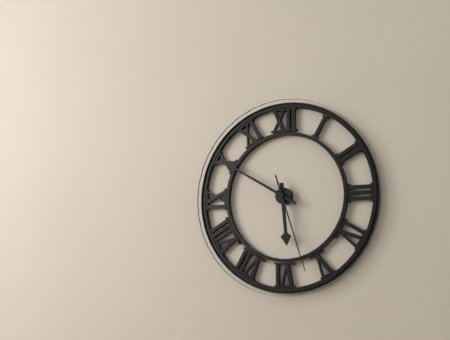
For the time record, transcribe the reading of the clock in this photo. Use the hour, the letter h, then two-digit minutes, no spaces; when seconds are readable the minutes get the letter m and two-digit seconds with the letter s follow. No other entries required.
5h50m27s
